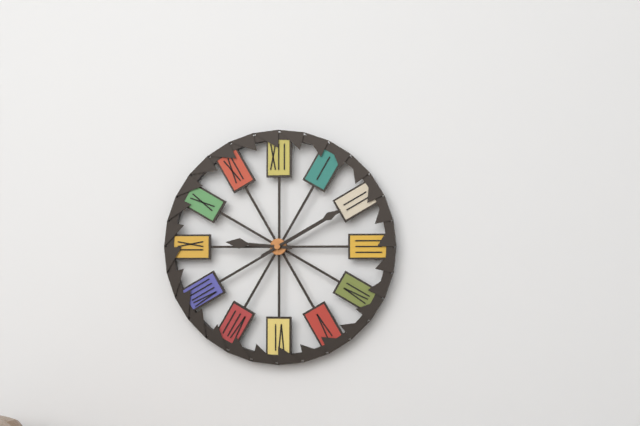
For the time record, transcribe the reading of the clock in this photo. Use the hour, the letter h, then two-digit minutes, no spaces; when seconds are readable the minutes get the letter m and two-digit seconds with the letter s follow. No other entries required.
9h10
